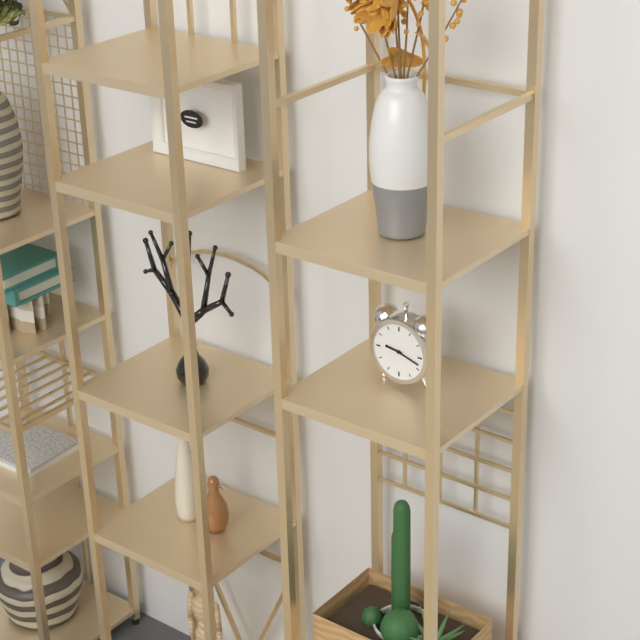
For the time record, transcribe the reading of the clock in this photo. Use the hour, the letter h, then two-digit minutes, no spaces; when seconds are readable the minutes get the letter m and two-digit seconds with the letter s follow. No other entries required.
9h18
